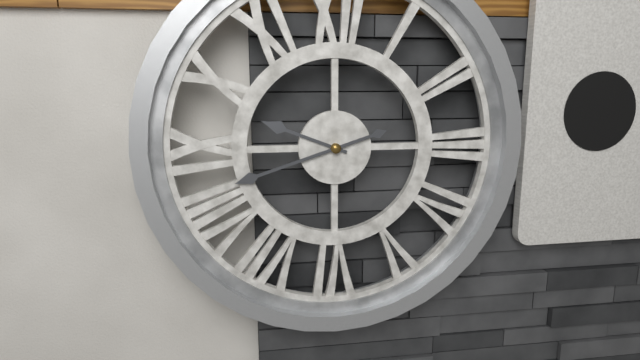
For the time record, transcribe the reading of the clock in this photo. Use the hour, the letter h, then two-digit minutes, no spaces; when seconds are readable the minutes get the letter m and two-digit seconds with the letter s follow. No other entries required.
9h42
